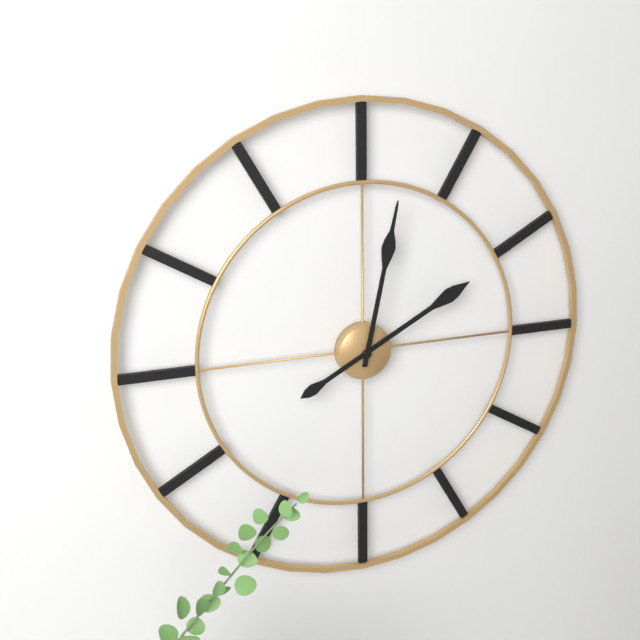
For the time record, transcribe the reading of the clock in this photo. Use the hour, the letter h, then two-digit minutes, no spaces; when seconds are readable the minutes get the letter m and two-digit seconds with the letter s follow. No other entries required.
2h02
